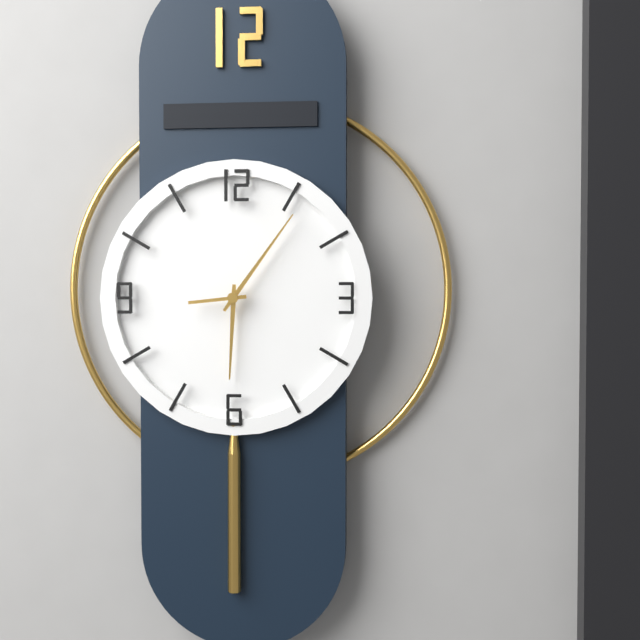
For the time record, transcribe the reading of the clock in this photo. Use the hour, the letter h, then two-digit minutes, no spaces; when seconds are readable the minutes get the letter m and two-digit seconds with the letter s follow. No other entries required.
6h06m44s
